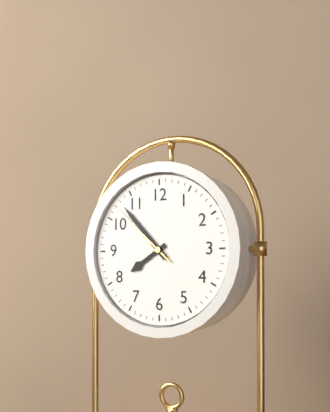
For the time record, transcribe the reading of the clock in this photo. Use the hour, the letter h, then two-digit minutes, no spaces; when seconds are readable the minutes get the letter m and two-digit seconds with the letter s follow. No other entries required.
7h53m52s
